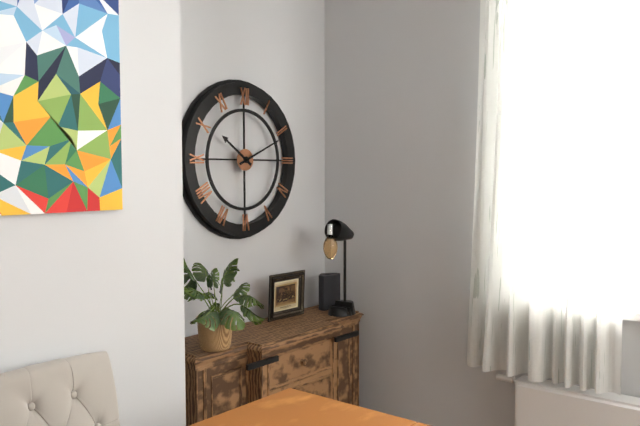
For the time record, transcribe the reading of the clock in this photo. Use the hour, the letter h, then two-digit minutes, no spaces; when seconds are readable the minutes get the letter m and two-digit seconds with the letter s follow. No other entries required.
10h11
